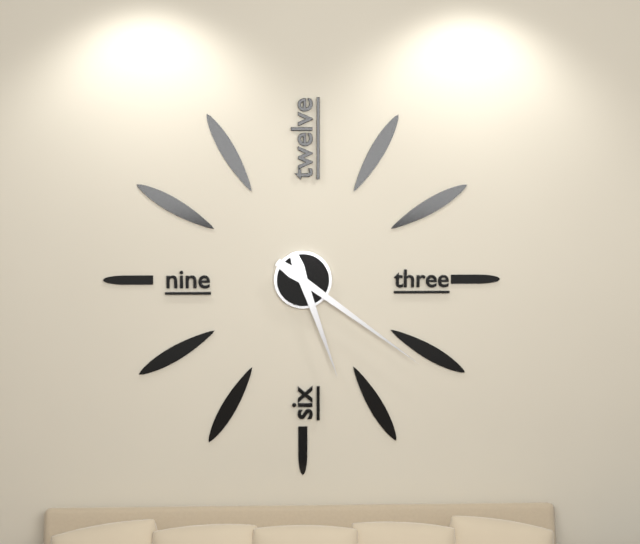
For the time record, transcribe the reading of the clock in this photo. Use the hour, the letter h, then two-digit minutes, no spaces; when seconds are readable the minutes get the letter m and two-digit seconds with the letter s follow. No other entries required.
5h21
